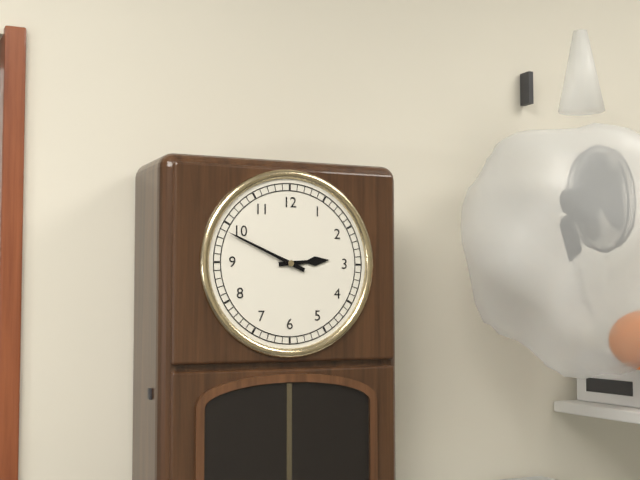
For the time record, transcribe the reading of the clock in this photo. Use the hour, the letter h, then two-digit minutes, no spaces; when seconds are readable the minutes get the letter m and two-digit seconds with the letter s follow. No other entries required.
2h49
